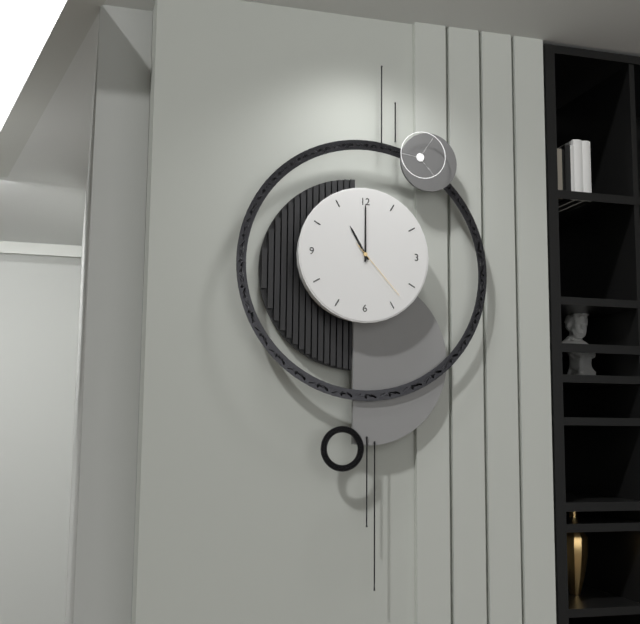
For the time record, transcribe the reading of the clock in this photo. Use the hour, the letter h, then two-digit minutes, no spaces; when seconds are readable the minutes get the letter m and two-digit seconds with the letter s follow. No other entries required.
11h00m23s
